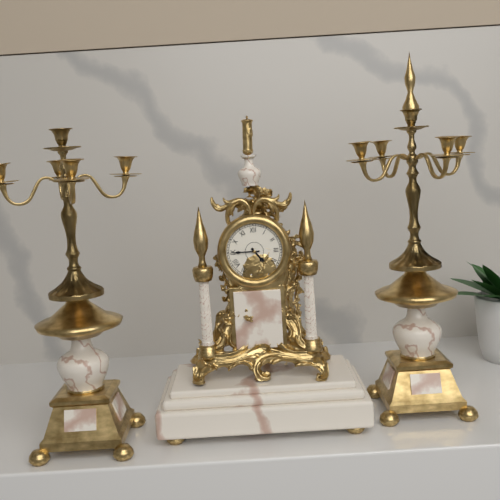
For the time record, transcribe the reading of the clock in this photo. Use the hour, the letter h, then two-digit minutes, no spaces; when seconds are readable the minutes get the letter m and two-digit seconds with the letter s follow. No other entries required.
4h45
